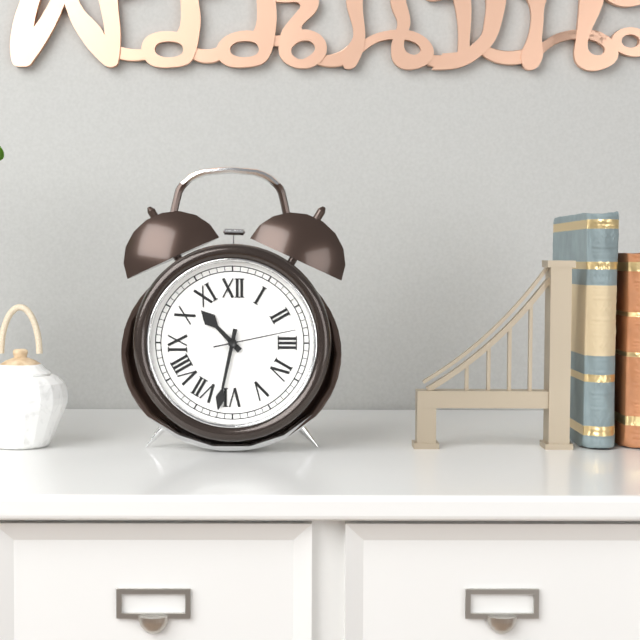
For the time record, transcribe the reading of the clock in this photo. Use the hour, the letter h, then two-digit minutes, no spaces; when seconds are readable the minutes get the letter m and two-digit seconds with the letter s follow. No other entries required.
10h32m13s
